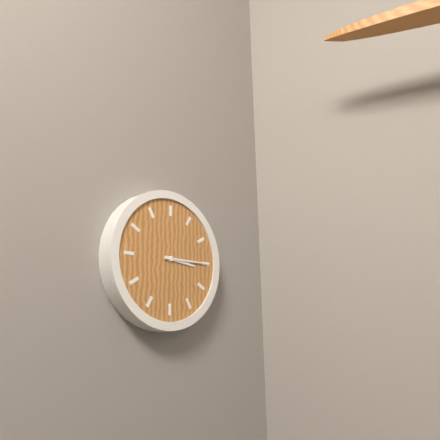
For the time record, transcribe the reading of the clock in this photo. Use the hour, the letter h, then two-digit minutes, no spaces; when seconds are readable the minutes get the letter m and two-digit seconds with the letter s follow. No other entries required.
3h15
